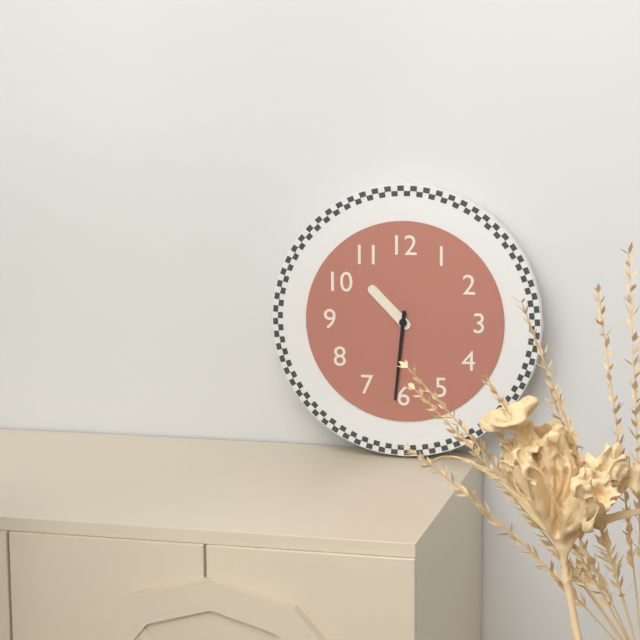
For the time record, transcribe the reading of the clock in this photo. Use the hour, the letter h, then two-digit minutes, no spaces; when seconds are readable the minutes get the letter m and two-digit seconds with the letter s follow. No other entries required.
10h31
